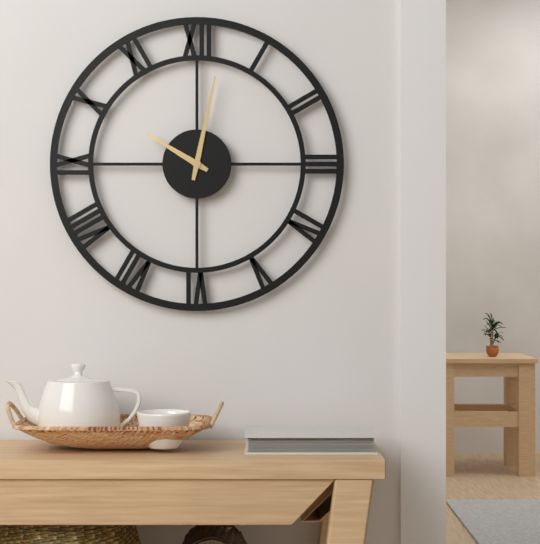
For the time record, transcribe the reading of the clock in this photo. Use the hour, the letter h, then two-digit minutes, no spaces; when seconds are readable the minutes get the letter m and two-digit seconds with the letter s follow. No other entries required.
10h02
